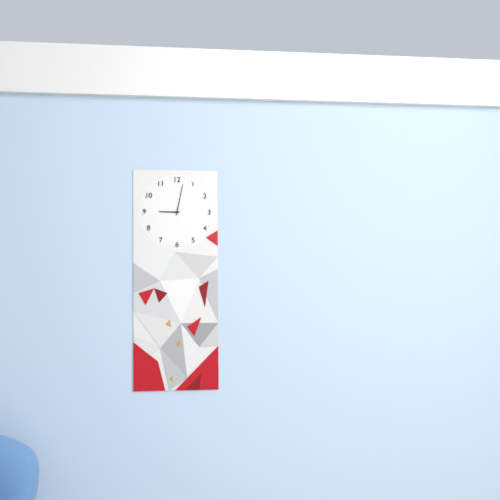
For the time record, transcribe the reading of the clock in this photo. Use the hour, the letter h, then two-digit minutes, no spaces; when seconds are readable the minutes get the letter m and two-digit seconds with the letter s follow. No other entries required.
9h02
